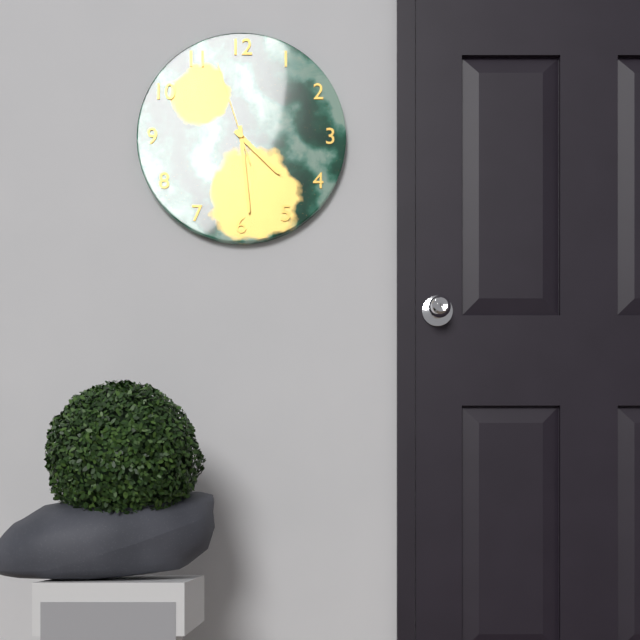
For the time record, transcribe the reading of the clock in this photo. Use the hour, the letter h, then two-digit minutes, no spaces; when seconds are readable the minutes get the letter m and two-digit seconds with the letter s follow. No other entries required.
4h29m57s
